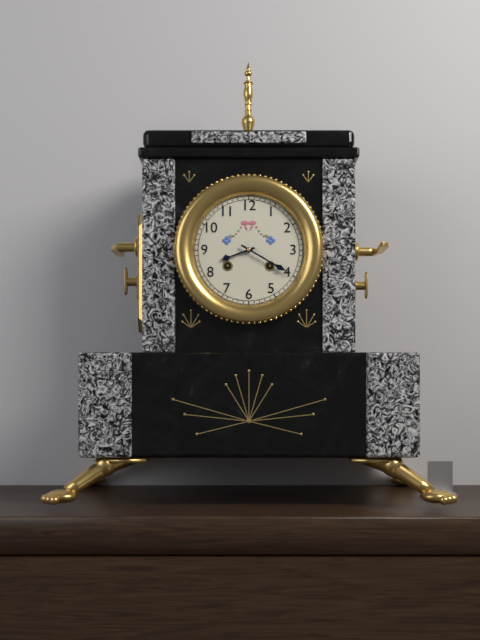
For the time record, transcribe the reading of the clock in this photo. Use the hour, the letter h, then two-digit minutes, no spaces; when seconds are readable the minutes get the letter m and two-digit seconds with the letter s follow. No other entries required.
8h20
